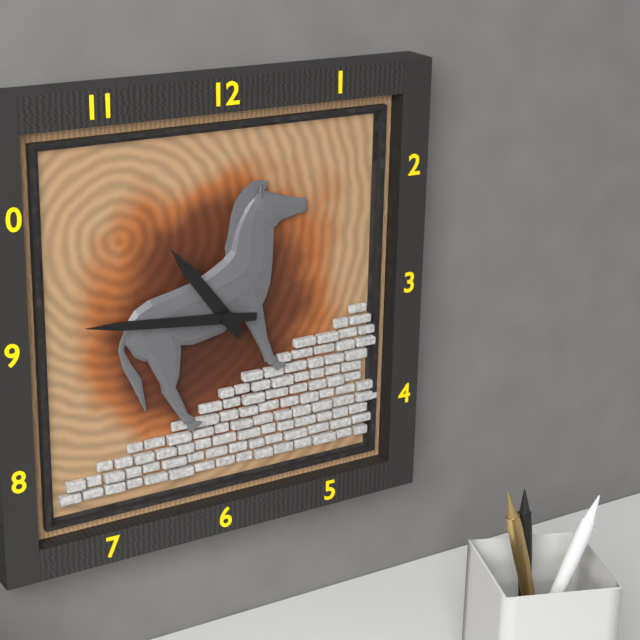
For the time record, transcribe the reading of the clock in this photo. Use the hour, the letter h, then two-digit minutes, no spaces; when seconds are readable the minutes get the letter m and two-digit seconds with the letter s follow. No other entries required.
10h46
